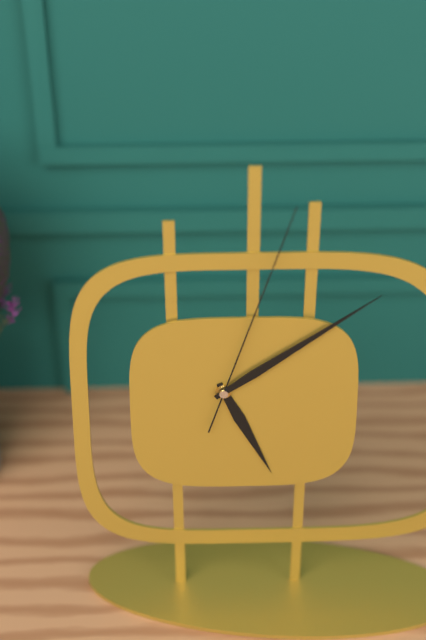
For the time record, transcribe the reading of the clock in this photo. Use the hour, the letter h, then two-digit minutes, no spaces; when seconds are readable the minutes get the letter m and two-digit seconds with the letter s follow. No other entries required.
5h09m03s
